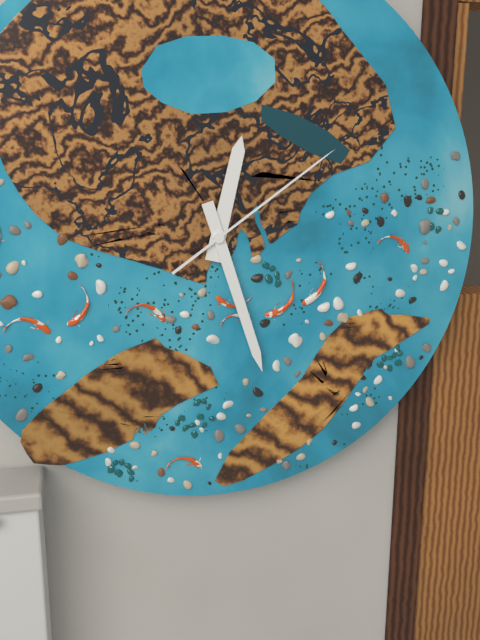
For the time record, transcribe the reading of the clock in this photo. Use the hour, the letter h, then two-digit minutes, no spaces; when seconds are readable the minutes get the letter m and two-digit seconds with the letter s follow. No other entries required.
12h27m09s
